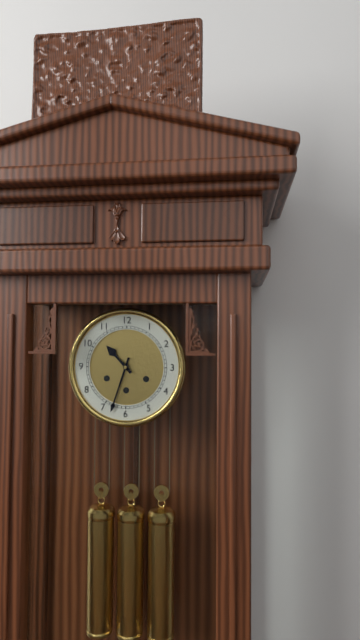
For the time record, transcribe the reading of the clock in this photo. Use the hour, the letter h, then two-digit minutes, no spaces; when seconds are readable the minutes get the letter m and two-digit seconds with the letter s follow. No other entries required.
10h33
